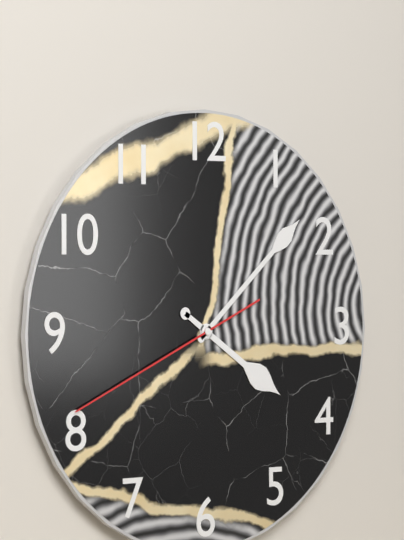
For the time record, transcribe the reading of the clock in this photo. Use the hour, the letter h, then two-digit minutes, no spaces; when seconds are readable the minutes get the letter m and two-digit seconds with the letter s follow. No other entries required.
4h08m41s
